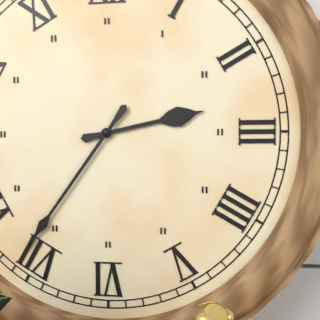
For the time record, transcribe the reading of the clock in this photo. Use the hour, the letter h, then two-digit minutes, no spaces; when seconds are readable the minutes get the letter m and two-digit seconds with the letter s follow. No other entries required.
2h36
